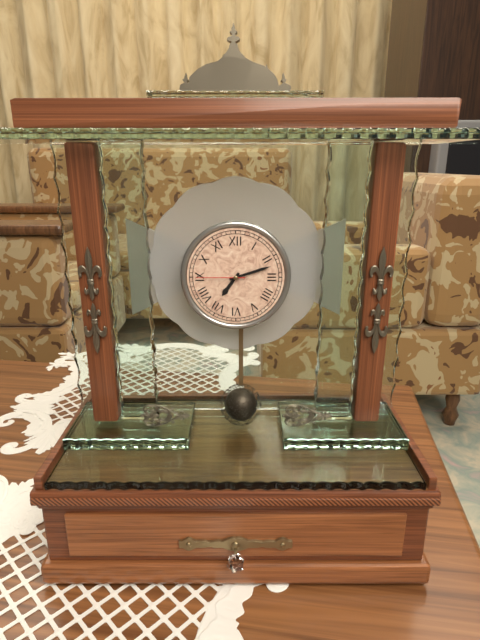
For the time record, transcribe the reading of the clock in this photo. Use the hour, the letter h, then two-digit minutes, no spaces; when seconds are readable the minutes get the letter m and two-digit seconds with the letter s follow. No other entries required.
7h12m45s
